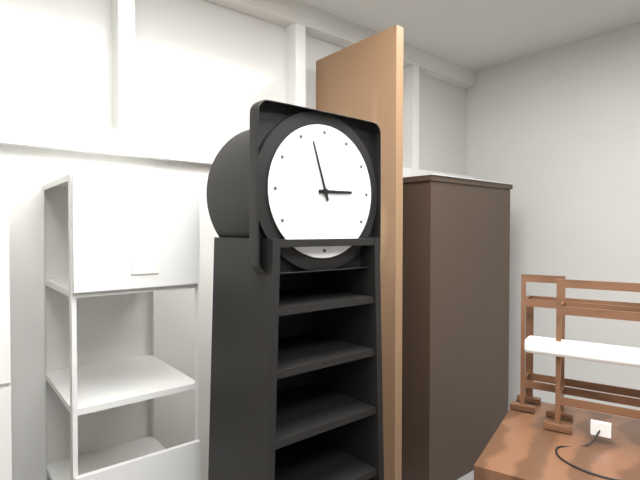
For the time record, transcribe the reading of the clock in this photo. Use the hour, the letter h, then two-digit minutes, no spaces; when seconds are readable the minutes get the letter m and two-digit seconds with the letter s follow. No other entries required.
2h57
